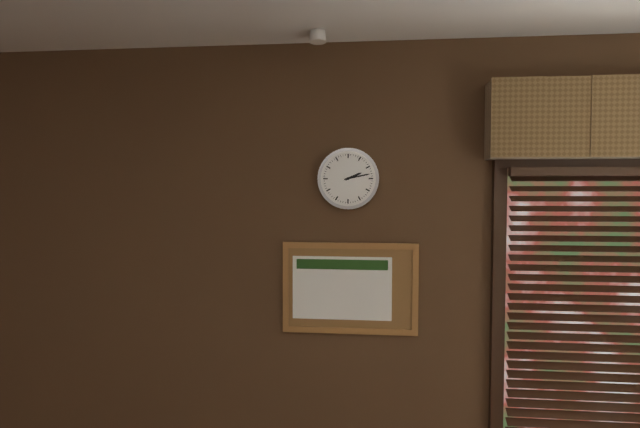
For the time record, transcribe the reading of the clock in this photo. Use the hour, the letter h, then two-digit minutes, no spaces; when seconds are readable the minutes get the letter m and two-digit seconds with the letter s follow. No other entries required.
2h13
